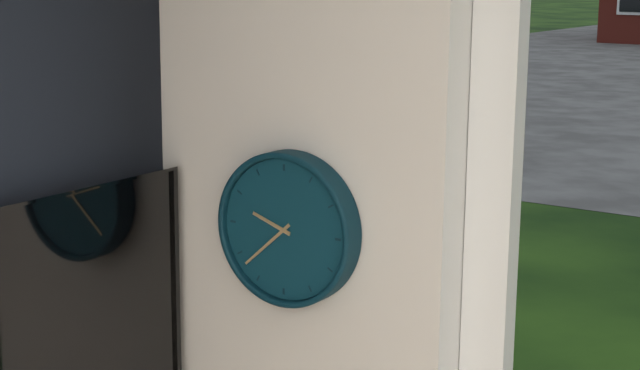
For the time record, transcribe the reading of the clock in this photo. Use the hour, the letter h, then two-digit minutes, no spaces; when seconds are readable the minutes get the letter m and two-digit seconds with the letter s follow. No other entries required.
9h38
